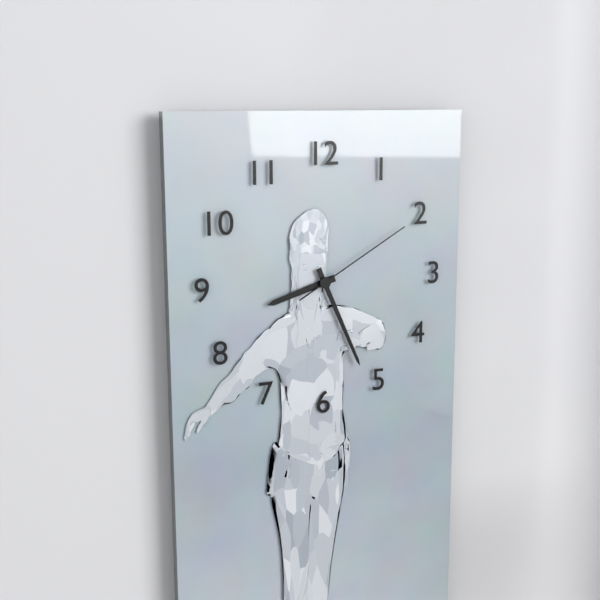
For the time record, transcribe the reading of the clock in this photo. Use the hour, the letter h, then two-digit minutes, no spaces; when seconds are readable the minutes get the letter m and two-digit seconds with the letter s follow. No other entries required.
8h26m10s
